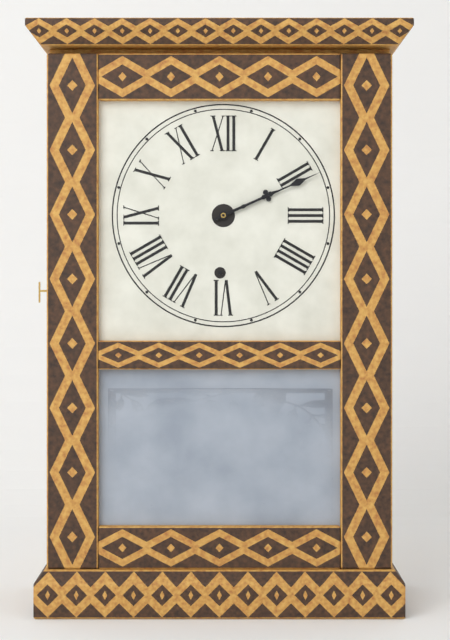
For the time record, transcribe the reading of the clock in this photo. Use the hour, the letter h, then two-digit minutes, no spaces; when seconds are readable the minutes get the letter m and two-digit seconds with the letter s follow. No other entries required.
2h11
